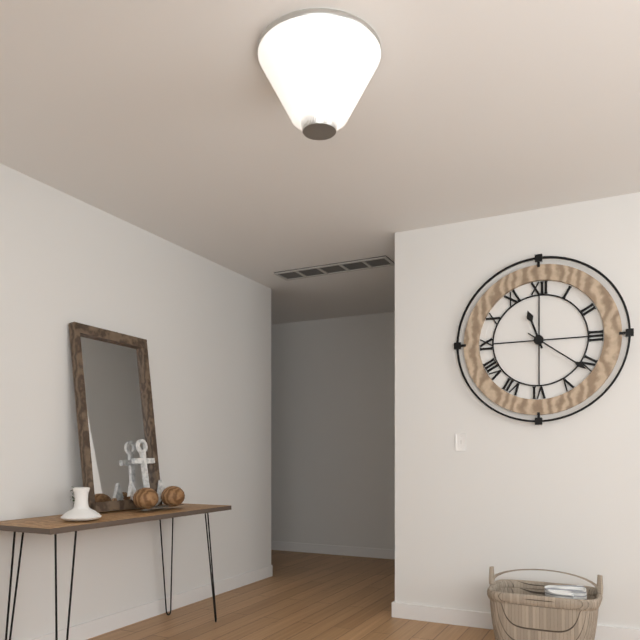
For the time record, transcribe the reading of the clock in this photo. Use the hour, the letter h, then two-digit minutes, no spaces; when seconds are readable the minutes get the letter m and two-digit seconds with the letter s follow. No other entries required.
11h21
